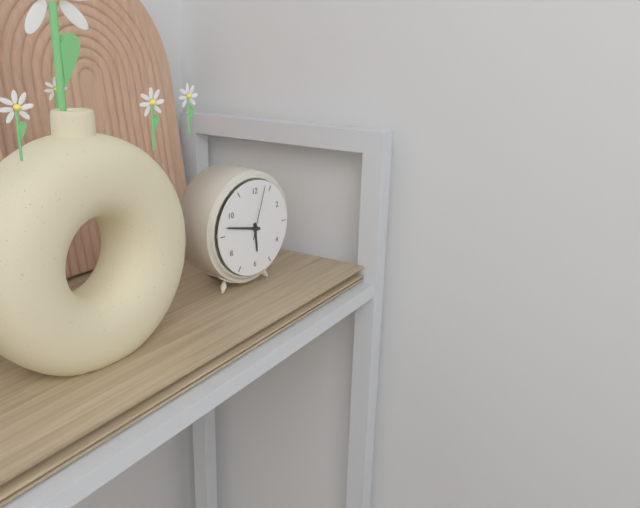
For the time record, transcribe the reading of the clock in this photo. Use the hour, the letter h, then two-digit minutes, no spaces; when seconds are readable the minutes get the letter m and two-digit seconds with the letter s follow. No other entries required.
5h47m03s
